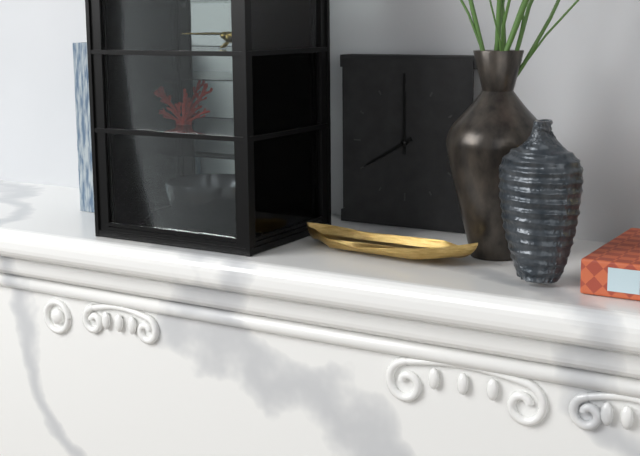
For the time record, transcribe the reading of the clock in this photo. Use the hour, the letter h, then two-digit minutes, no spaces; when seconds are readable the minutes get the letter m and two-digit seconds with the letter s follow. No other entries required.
8h00
